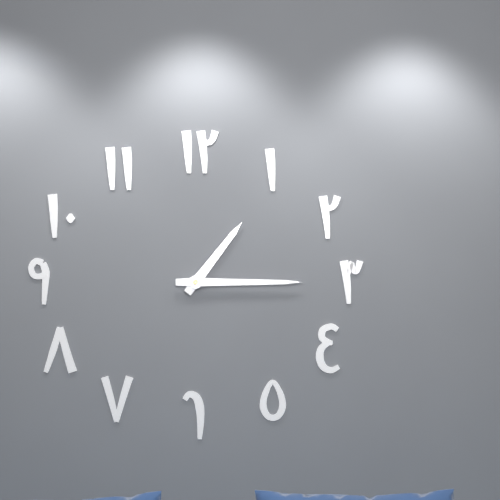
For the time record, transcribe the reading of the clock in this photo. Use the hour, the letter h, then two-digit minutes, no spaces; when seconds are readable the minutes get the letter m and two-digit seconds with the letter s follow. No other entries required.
1h15
